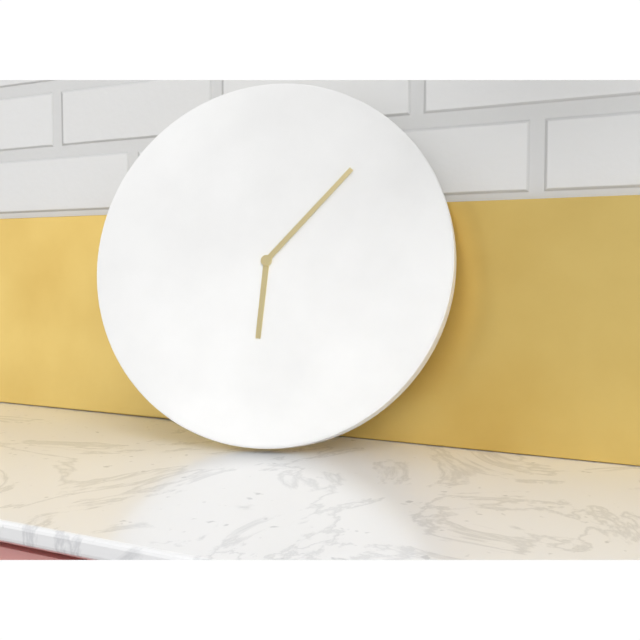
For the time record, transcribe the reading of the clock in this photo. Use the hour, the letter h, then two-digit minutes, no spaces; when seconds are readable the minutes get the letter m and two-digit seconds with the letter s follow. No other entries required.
6h07
